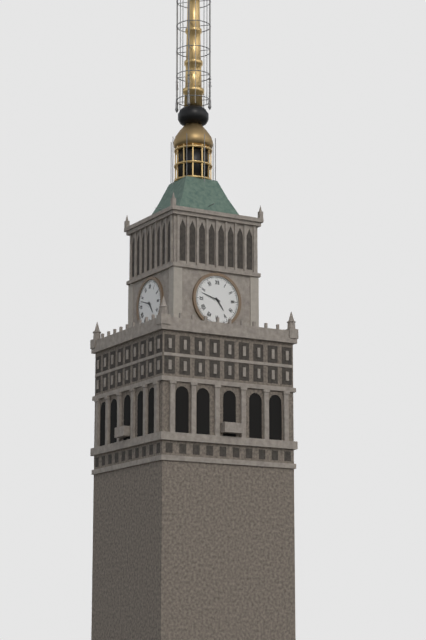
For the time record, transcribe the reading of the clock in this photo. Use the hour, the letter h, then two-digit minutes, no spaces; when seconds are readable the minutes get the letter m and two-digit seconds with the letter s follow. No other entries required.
4h48
